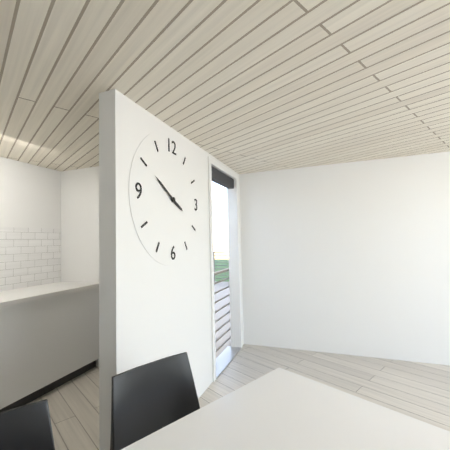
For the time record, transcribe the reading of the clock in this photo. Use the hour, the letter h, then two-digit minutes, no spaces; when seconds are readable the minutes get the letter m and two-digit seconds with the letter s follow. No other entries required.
3h50
